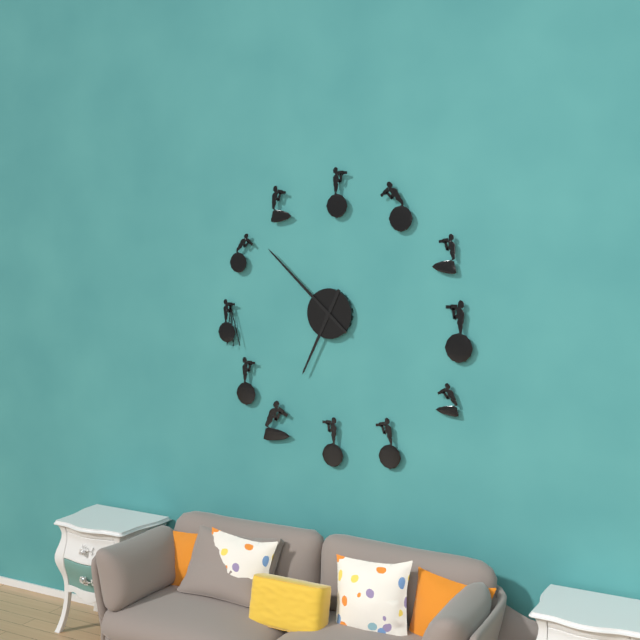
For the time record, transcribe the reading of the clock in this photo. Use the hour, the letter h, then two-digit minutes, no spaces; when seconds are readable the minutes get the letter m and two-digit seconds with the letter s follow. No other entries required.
6h52
